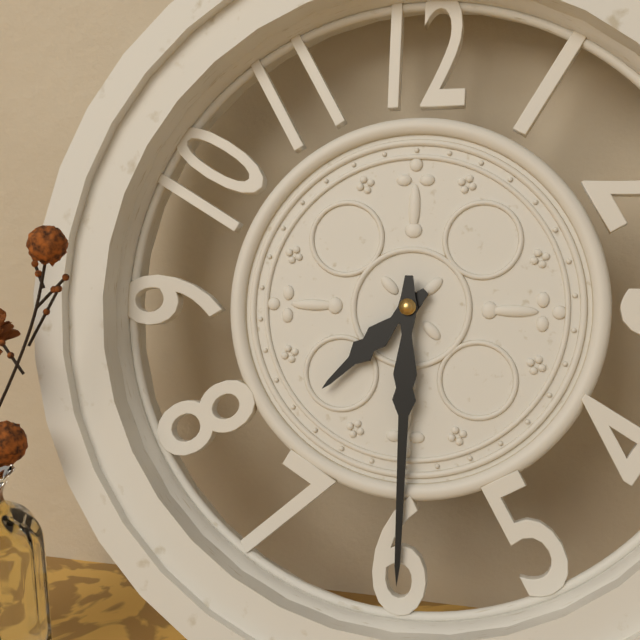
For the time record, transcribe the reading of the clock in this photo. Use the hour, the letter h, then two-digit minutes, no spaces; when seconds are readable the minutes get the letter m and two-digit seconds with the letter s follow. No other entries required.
7h30
